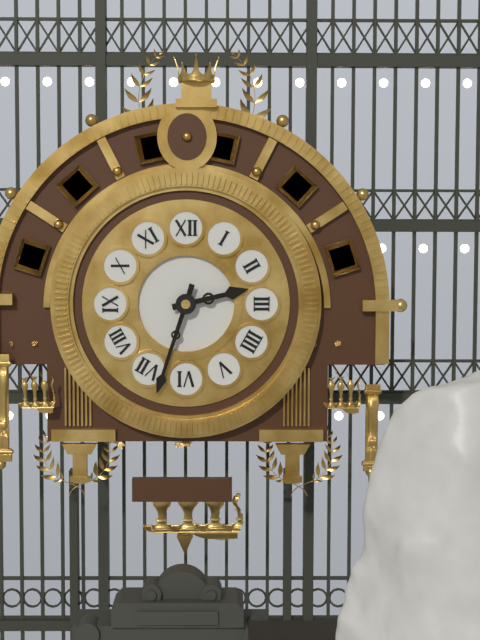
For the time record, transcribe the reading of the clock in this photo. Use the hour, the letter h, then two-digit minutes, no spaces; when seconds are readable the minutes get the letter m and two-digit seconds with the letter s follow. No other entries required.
2h33
